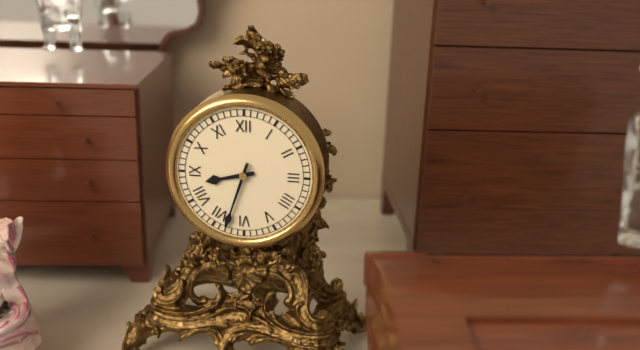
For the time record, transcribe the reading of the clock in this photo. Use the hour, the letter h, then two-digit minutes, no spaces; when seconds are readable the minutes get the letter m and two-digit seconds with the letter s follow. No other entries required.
8h33
